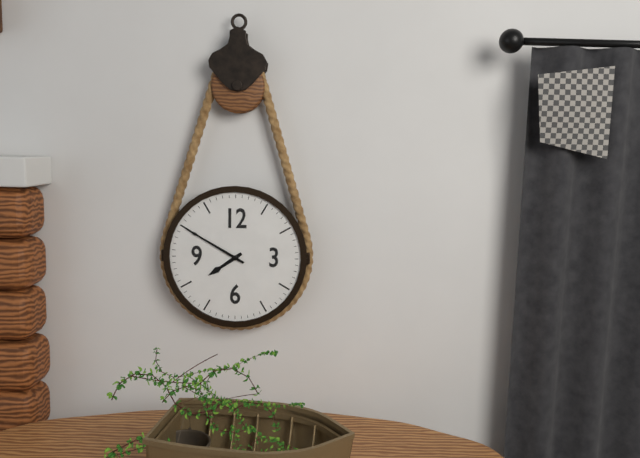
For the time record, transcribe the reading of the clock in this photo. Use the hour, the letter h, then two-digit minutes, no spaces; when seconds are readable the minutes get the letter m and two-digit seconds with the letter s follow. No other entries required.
7h50
